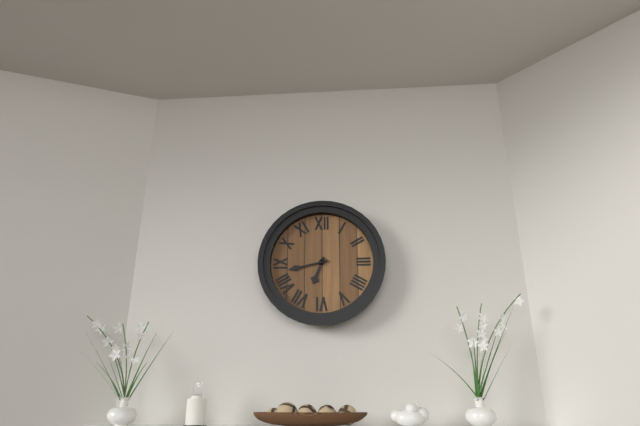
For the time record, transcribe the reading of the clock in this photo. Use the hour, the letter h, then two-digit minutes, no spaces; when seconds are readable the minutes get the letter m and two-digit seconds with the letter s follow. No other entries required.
6h43
